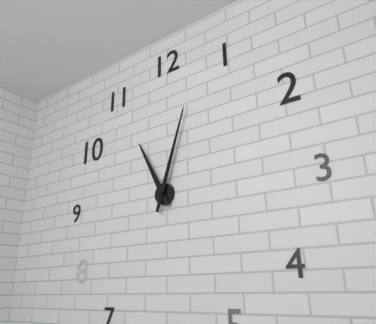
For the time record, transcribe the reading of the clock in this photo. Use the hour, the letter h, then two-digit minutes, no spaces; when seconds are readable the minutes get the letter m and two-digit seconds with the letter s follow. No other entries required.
11h03
